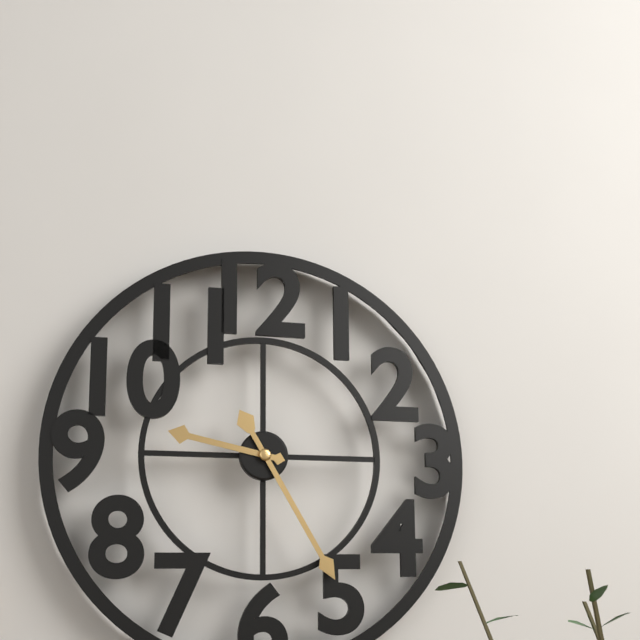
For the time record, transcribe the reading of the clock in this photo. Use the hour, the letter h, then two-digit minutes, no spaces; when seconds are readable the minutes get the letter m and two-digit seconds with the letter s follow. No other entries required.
9h25
